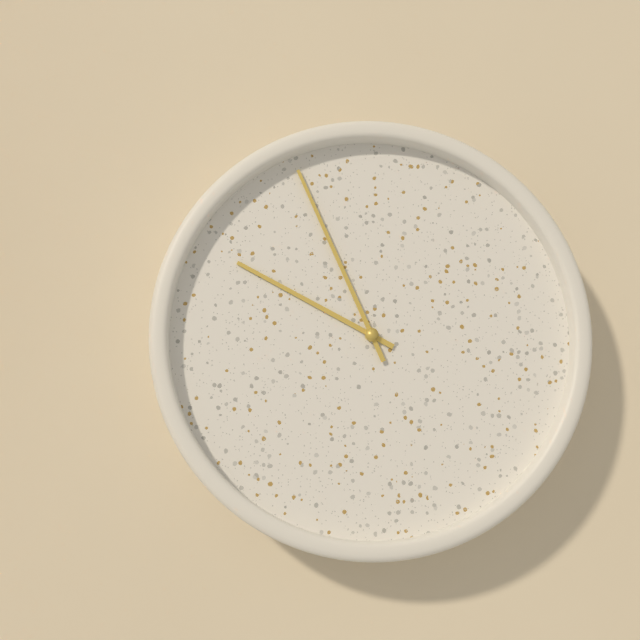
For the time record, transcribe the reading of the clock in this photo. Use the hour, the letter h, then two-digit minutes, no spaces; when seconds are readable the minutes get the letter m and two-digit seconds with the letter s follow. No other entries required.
9h56
